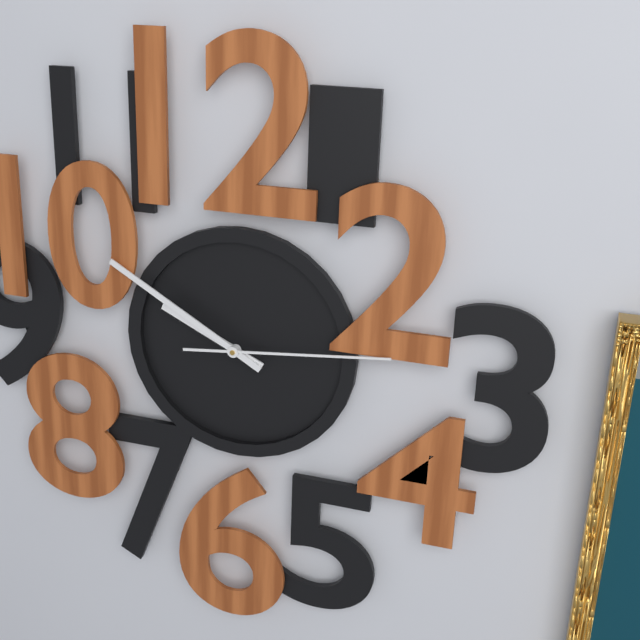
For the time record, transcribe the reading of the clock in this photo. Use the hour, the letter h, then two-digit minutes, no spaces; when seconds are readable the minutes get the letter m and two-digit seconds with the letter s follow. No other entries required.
9h50m14s
